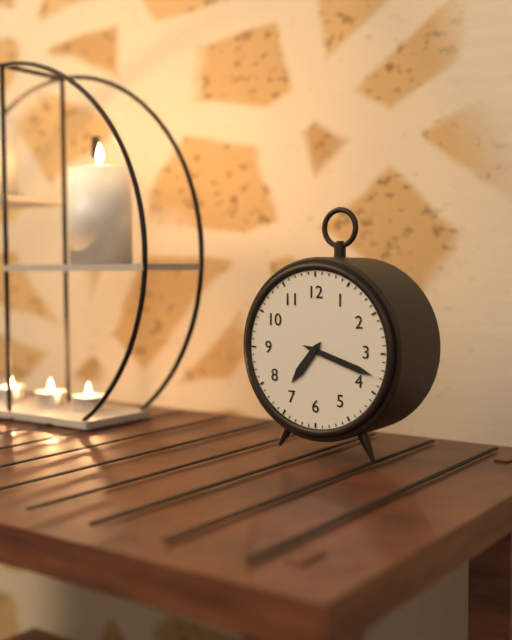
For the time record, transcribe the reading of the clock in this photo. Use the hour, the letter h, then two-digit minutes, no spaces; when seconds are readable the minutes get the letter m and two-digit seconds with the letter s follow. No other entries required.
7h18
